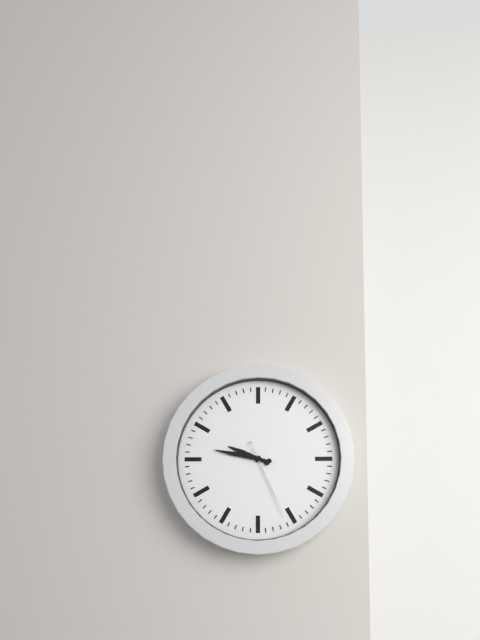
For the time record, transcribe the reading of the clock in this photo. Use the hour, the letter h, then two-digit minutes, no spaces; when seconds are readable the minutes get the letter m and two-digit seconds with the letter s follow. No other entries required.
9h47m26s
